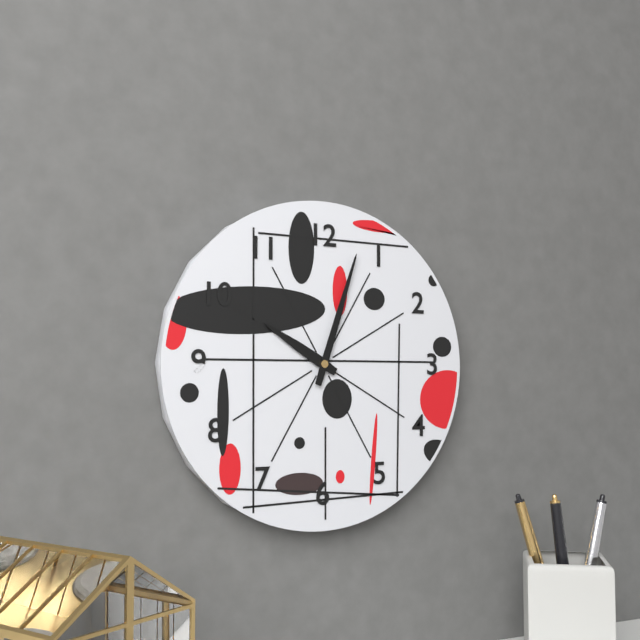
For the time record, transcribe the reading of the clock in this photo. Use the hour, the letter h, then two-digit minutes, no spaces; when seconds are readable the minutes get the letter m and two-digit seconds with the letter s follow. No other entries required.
10h03
